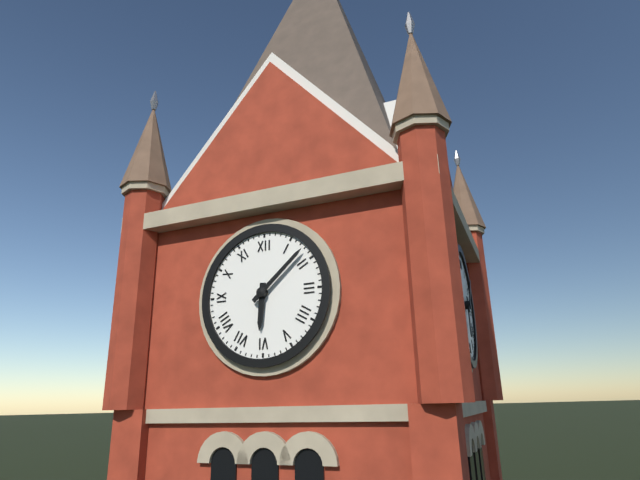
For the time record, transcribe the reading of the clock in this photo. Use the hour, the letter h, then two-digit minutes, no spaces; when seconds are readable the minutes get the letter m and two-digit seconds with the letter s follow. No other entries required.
6h08
